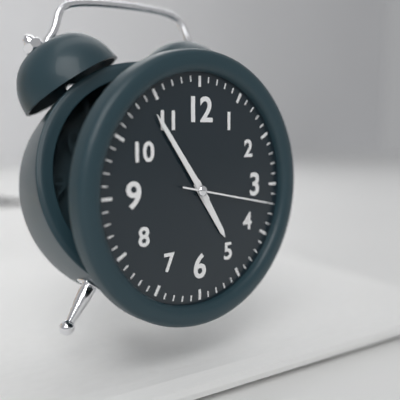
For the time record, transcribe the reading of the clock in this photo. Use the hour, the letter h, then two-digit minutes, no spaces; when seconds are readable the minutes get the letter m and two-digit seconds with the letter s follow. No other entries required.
4h54m17s
